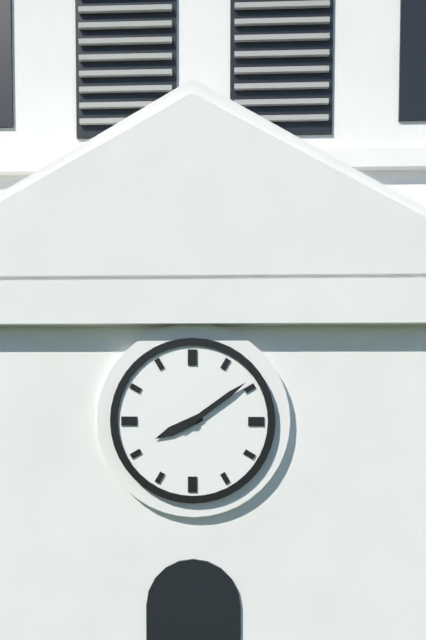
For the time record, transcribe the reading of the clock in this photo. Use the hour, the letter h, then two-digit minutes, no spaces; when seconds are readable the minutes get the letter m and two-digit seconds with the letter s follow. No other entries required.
8h09
